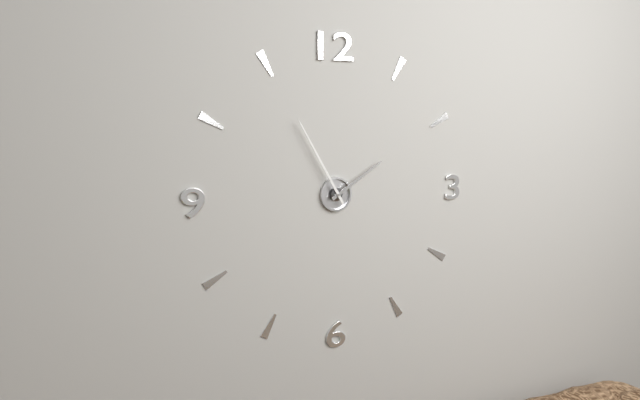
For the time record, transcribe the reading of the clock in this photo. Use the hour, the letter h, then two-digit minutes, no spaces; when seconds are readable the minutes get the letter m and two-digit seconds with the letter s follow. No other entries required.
1h55
